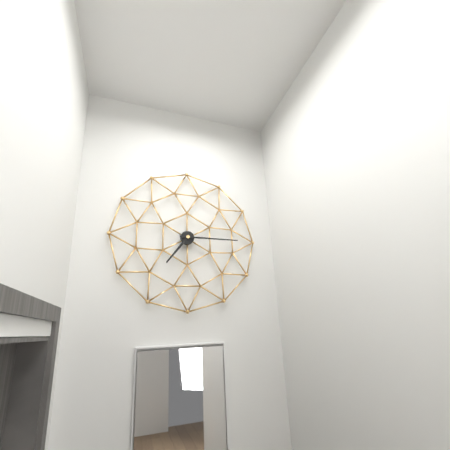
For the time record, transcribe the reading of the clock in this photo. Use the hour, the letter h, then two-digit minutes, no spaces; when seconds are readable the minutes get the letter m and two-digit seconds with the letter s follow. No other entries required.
7h15
